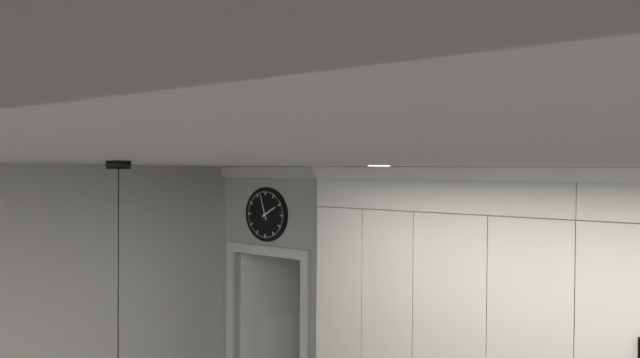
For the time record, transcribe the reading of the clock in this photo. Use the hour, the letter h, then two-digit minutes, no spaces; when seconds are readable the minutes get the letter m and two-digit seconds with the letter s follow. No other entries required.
1h57
